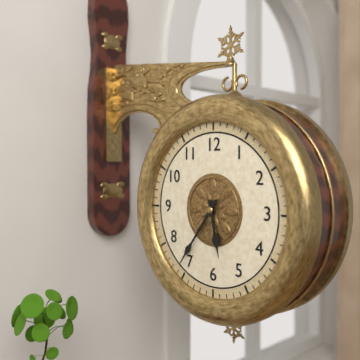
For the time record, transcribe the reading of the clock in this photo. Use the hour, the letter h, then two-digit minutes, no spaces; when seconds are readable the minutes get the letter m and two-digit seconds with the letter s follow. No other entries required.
5h36
